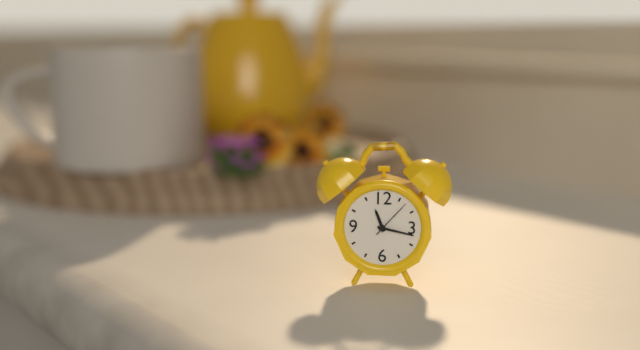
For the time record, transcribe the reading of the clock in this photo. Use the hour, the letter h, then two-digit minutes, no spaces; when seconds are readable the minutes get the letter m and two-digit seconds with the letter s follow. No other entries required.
11h17
